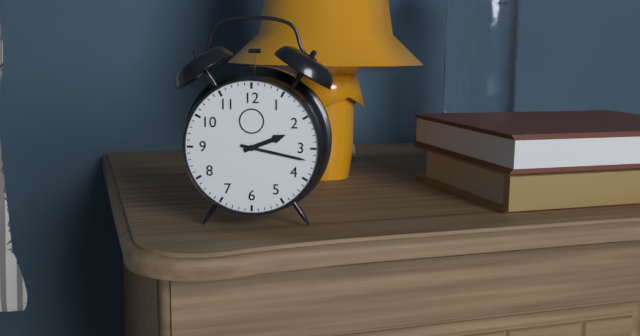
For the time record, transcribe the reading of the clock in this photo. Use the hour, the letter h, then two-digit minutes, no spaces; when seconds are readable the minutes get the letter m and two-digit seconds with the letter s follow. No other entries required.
2h17
